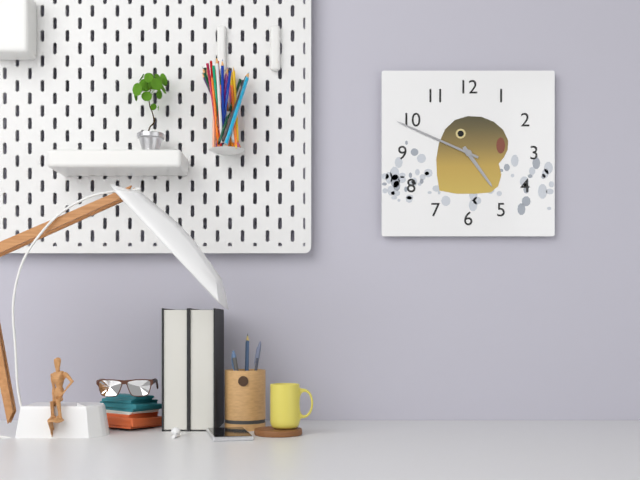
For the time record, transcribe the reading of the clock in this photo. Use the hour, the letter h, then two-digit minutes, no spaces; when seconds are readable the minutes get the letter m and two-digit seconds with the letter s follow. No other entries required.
4h49
